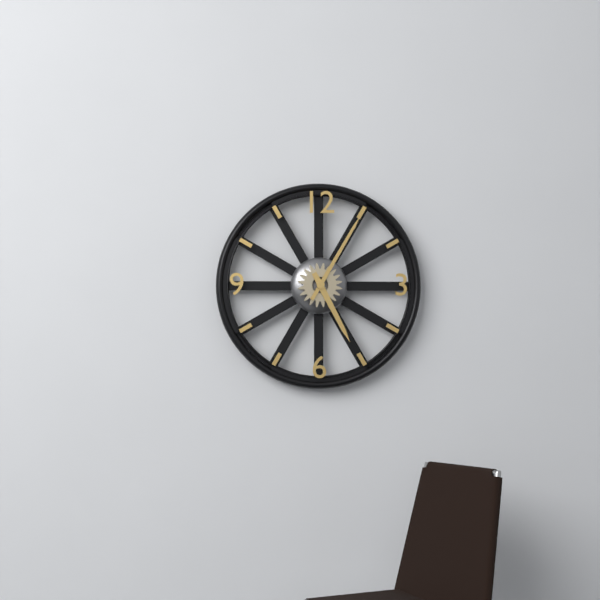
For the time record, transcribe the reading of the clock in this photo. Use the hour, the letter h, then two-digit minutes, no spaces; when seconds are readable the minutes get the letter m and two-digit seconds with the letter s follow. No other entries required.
5h05
